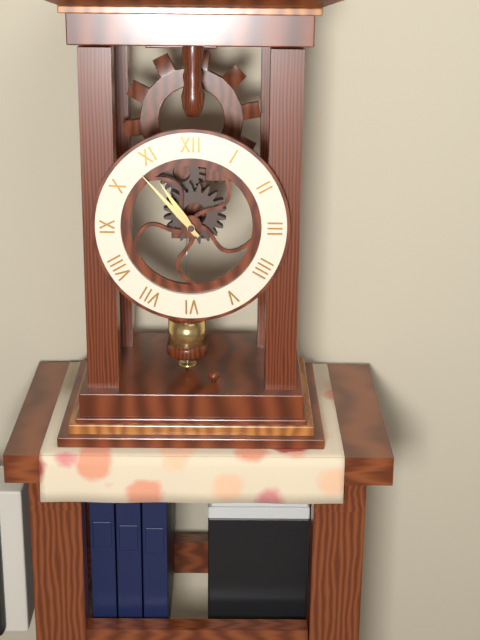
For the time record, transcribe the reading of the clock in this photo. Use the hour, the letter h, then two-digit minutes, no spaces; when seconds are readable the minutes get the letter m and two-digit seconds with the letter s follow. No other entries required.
10h53
